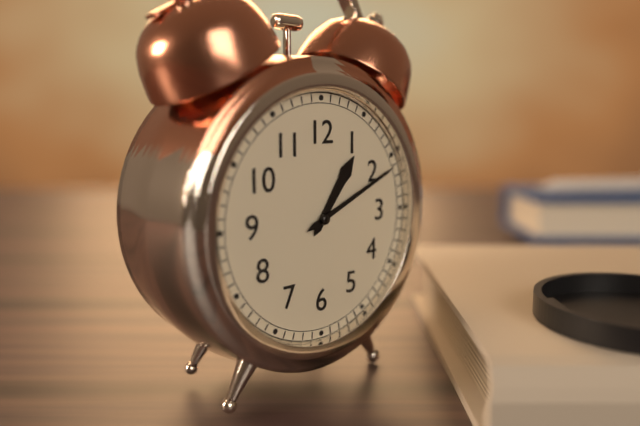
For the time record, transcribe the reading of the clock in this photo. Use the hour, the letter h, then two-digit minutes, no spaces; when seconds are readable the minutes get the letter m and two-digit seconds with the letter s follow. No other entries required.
1h11
